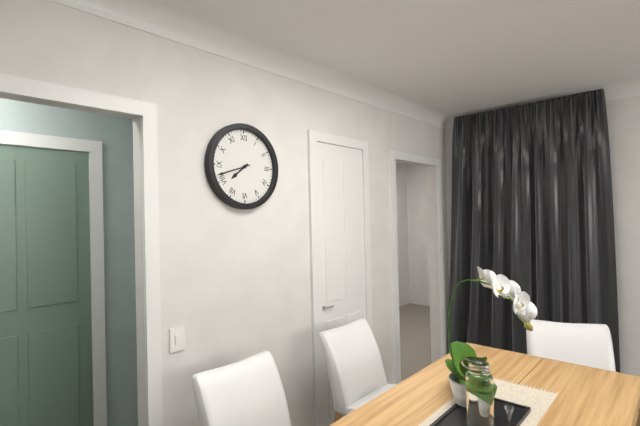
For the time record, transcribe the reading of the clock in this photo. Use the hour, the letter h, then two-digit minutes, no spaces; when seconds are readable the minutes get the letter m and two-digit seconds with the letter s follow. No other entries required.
7h42
